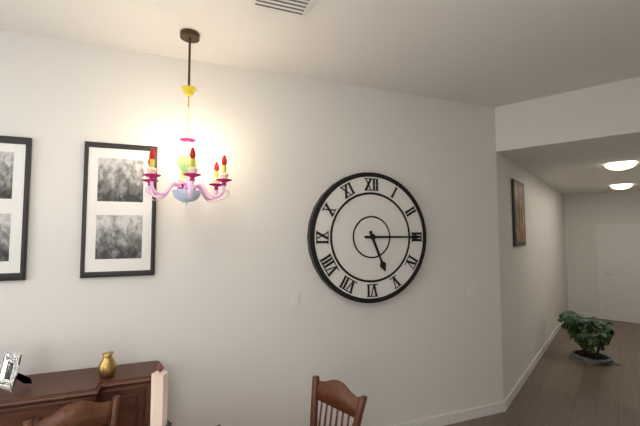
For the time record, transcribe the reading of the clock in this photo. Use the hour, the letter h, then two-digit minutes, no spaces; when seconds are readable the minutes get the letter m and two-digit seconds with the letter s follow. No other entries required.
5h15
